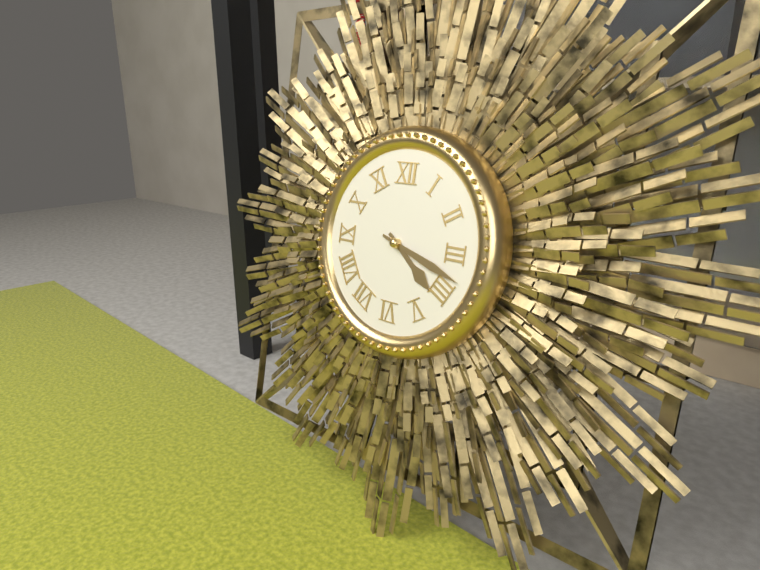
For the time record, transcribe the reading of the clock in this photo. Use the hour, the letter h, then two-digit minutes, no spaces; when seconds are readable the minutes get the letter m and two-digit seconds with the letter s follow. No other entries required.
4h18
